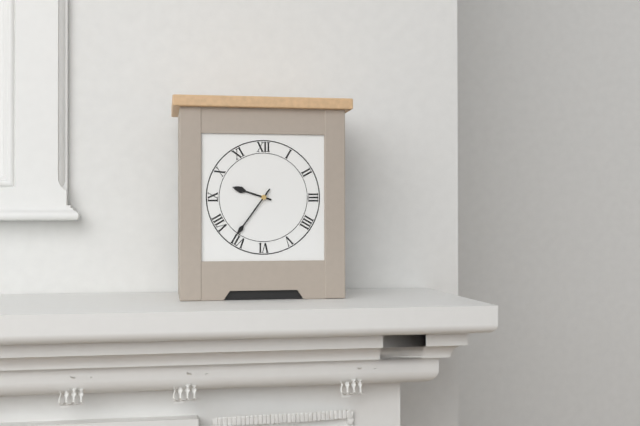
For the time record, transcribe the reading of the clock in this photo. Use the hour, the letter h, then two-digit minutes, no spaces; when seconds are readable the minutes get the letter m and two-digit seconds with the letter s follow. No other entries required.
9h36
